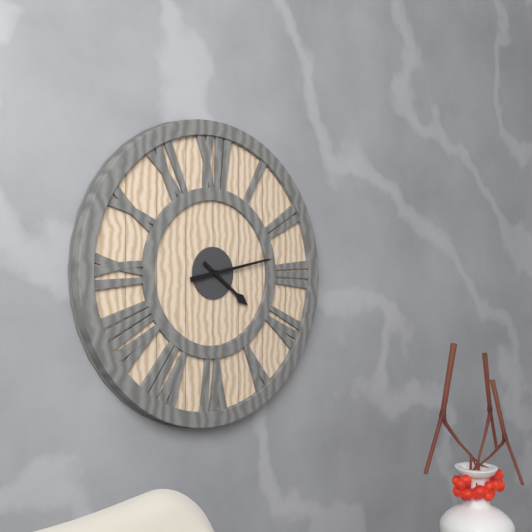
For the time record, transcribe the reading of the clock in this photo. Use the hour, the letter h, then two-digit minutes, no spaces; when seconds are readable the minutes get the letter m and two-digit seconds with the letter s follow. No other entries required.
4h13
